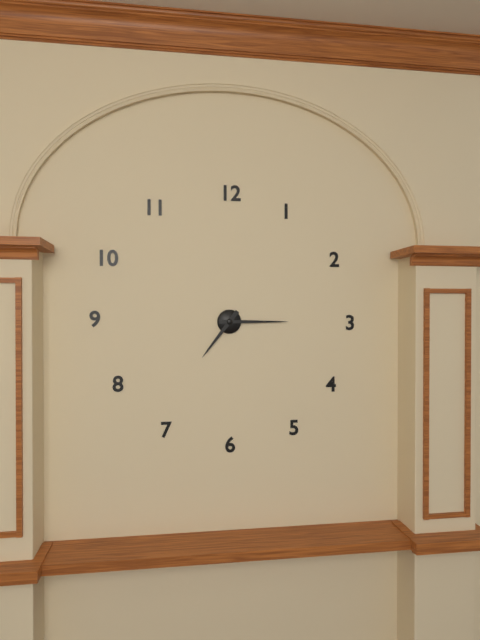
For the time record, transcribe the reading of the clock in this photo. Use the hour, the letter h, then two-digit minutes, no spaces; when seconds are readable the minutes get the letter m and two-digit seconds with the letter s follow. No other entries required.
7h15
